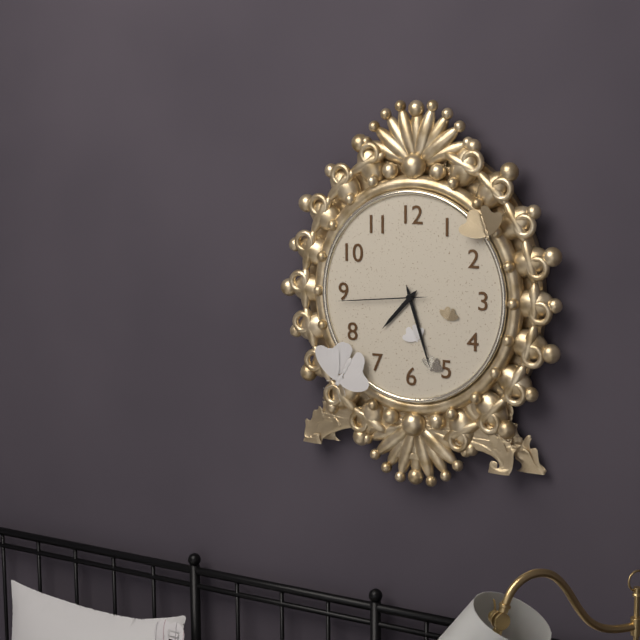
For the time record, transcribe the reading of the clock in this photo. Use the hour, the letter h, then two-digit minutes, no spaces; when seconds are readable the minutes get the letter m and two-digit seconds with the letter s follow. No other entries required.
7h27m44s
